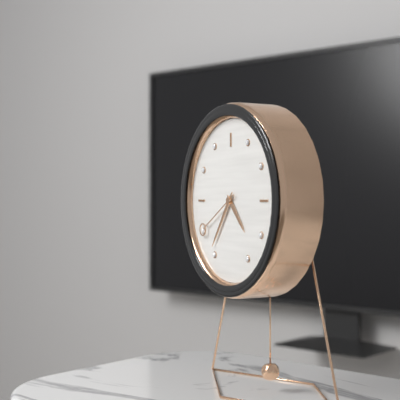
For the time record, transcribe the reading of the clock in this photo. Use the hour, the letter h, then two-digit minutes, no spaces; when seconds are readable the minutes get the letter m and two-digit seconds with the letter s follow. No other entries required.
4h36m40s
